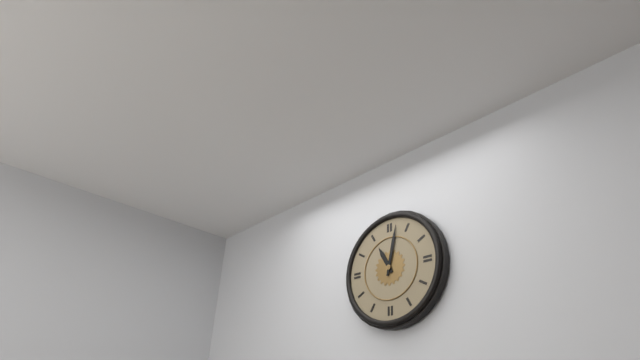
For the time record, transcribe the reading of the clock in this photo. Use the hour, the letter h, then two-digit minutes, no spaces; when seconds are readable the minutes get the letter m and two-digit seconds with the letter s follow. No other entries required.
11h02
